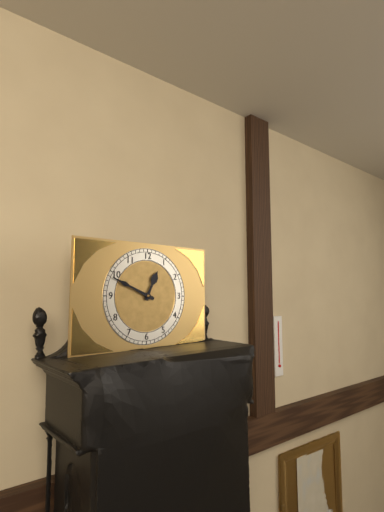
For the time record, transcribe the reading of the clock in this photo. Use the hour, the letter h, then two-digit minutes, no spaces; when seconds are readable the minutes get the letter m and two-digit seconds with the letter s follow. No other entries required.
12h49
